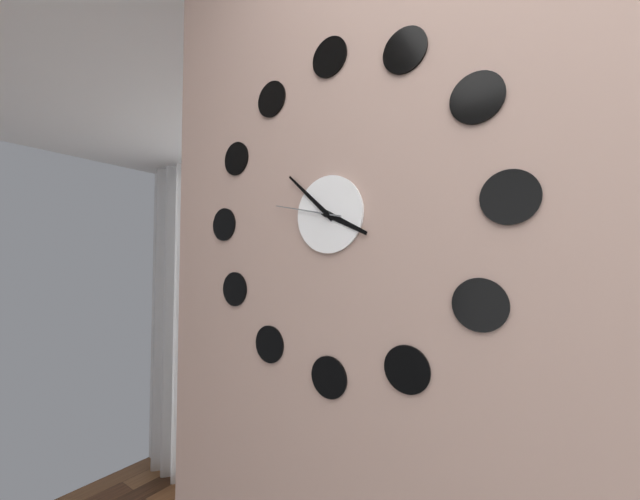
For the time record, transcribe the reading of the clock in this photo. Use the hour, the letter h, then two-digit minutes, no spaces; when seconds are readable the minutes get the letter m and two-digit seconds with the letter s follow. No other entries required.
3h52m47s
